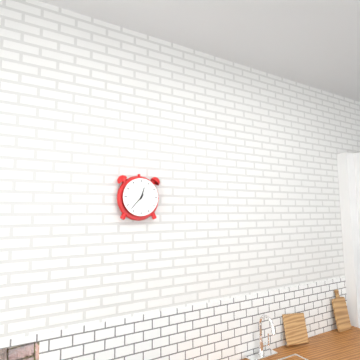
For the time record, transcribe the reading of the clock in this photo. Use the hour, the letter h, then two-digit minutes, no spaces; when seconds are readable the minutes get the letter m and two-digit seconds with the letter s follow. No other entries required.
12h37
